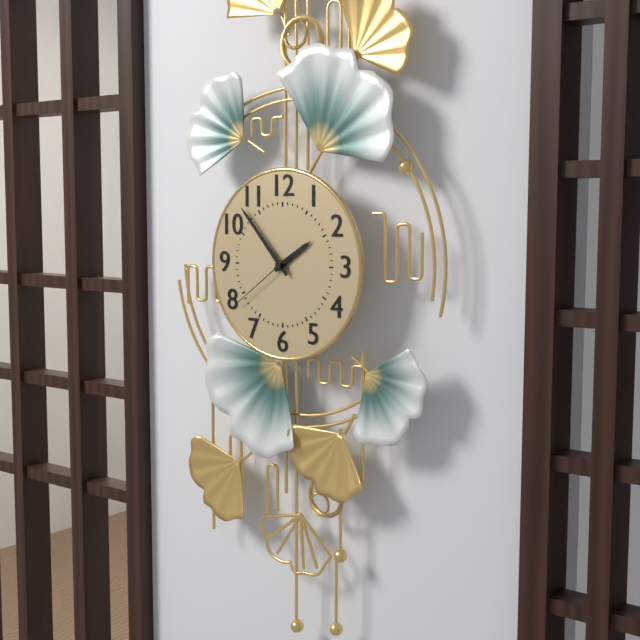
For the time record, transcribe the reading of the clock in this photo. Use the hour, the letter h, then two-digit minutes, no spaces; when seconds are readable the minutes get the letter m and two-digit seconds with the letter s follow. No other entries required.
1h53m39s
